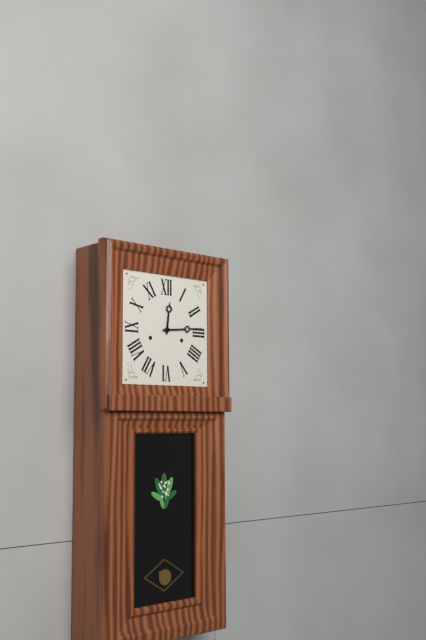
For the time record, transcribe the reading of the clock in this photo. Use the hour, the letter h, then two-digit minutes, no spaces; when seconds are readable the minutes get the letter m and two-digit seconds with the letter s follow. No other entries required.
12h14
